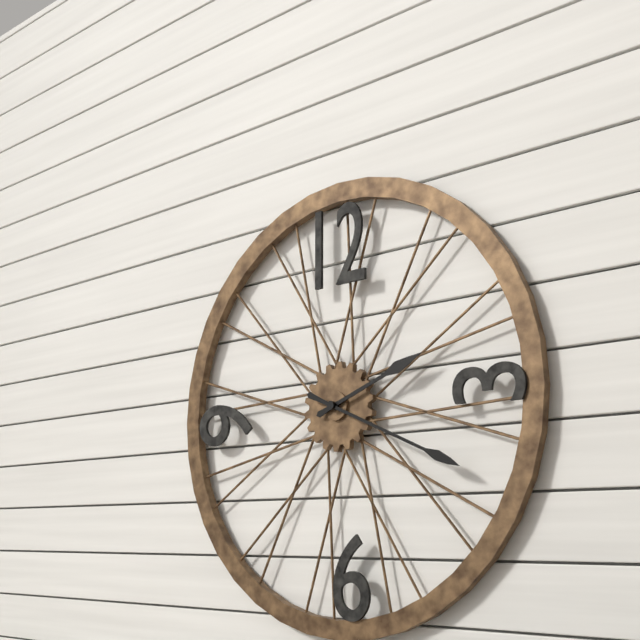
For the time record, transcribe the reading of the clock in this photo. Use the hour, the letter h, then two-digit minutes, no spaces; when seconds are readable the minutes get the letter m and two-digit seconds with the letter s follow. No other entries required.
2h19
